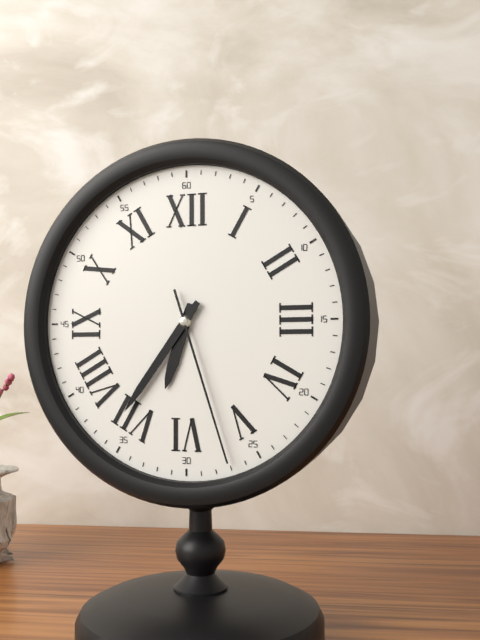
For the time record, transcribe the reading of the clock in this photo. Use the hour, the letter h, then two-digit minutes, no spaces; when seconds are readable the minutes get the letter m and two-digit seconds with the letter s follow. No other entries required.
6h36m27s
